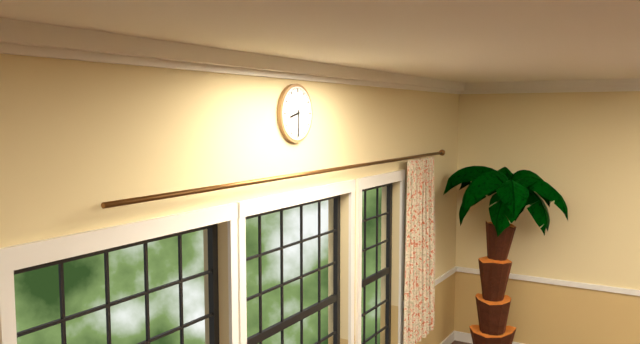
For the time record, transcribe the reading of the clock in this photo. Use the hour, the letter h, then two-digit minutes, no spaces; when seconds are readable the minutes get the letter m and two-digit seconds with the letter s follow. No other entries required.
8h30
